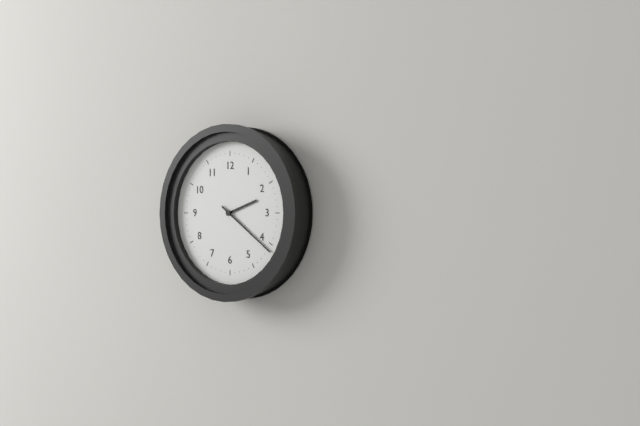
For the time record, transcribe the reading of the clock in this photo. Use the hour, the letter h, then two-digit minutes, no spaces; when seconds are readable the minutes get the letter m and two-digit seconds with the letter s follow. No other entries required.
2h21
